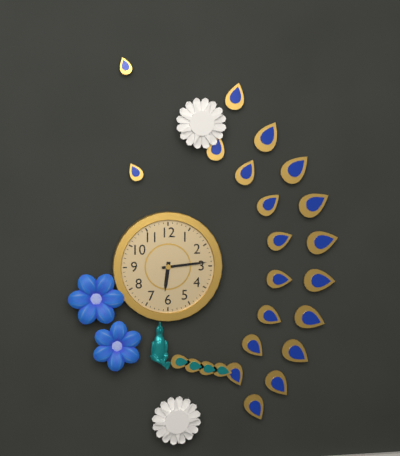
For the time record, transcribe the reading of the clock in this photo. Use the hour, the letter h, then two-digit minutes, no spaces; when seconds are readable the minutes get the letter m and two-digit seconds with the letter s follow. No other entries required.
6h14
